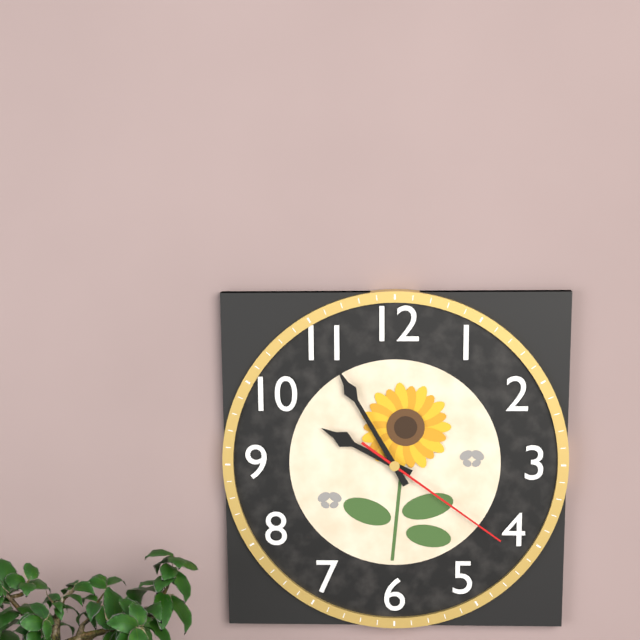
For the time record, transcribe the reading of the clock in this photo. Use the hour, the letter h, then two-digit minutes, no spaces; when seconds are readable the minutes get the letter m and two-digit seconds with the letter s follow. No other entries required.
9h55m21s
